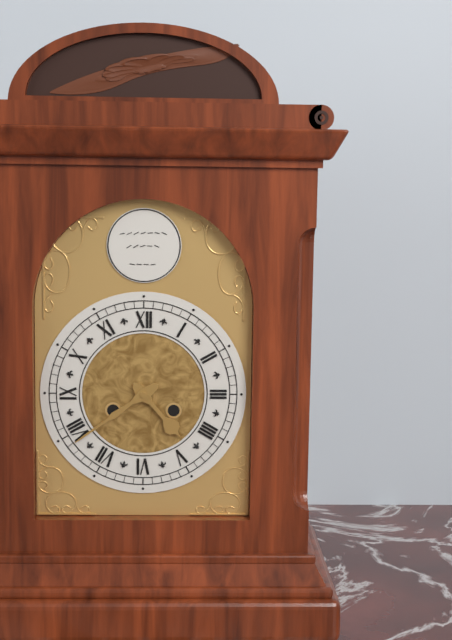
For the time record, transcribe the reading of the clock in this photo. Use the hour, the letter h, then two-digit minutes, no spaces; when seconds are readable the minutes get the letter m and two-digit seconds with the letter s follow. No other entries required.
4h39
